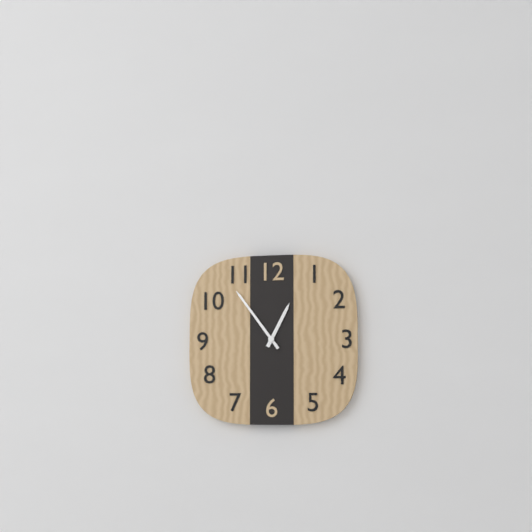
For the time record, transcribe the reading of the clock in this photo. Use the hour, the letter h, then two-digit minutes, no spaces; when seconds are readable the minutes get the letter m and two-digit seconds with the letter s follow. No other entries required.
12h54
